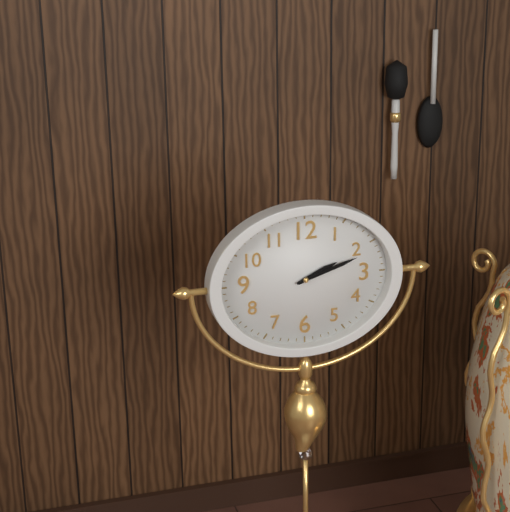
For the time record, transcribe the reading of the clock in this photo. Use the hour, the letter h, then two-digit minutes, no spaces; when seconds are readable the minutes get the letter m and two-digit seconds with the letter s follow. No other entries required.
2h12
